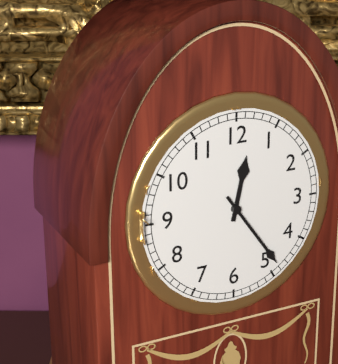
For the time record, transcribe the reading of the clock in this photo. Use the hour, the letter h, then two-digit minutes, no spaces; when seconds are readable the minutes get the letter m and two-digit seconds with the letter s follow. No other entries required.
12h24
